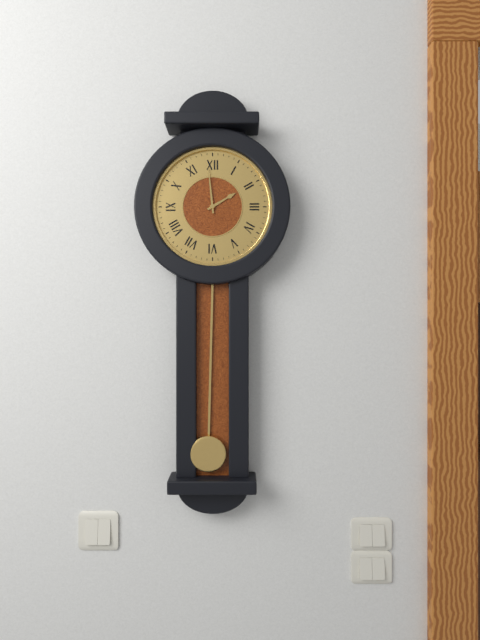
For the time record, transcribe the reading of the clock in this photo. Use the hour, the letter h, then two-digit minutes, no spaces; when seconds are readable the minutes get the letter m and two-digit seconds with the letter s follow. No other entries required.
1h59
